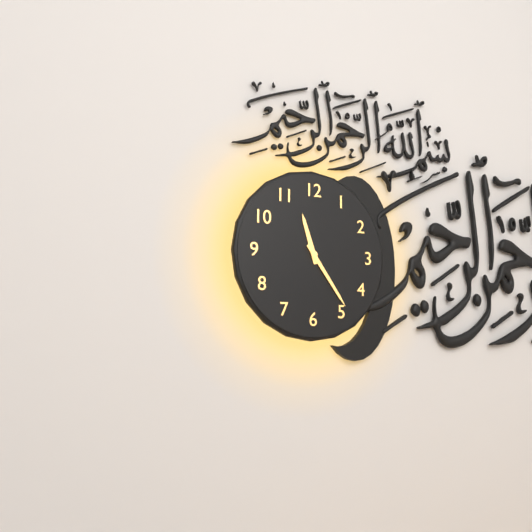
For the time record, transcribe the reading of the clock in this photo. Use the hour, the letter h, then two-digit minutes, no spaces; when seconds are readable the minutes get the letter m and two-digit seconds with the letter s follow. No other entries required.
11h24
